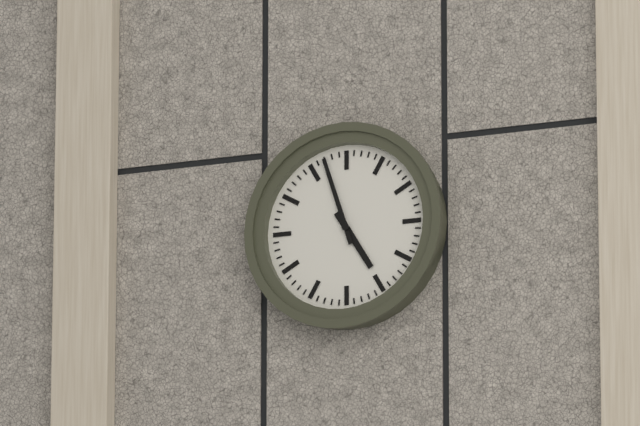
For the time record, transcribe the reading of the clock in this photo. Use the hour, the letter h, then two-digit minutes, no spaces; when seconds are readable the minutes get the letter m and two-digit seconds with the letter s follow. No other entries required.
4h57
